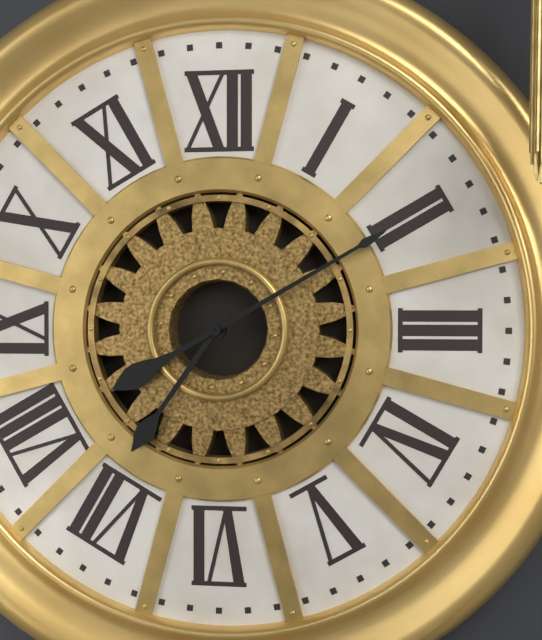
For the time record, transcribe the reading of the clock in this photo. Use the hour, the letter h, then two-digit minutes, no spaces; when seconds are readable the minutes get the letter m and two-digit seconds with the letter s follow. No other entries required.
7h10
